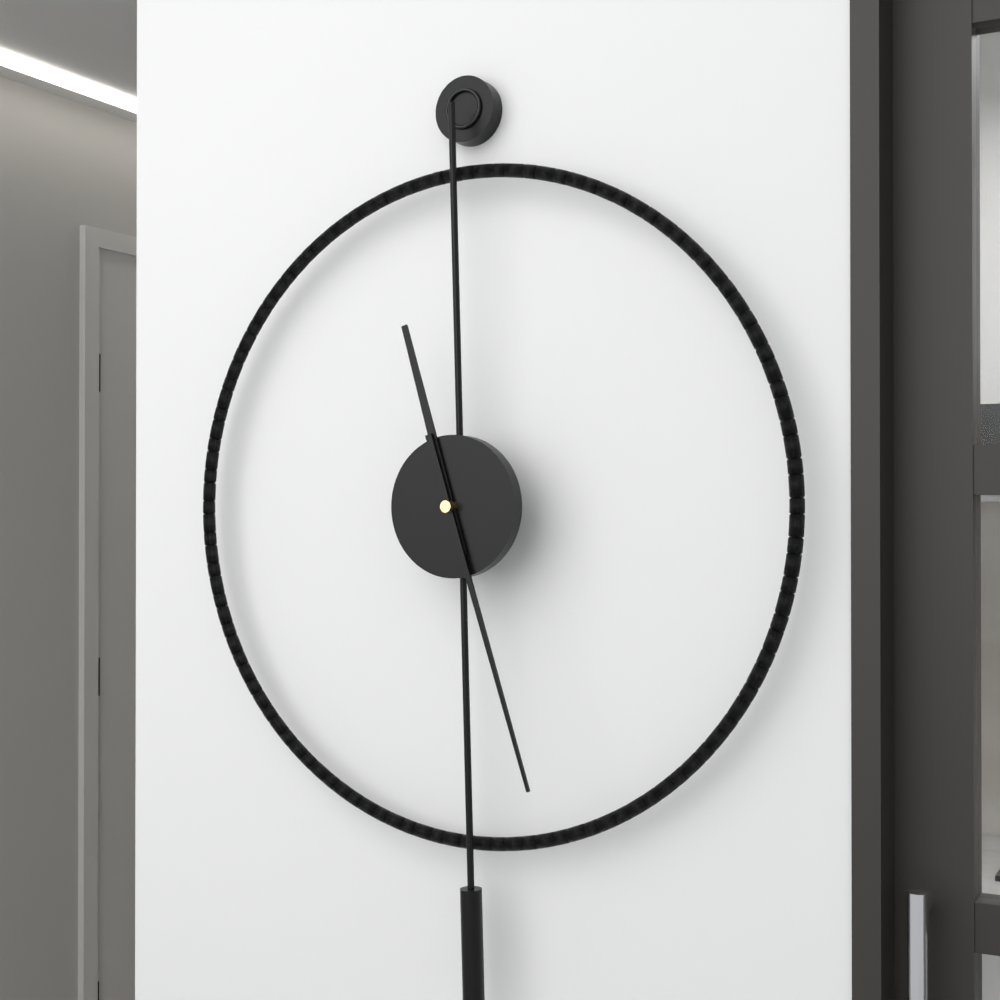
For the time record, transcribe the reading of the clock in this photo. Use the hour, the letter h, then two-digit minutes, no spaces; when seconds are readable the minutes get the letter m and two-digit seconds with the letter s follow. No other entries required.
11h27
